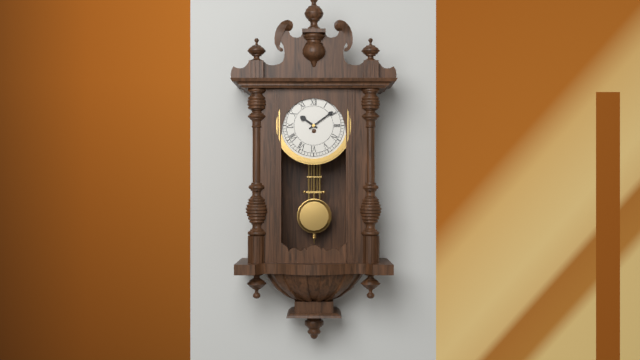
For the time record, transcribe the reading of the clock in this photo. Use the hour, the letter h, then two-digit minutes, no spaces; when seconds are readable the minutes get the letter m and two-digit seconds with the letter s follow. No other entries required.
10h09
